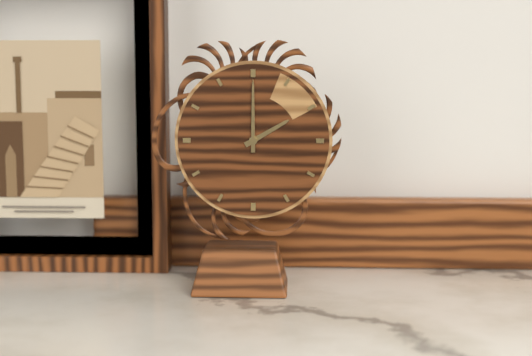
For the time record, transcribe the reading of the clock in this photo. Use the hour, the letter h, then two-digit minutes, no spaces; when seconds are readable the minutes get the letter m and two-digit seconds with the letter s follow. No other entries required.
2h00
